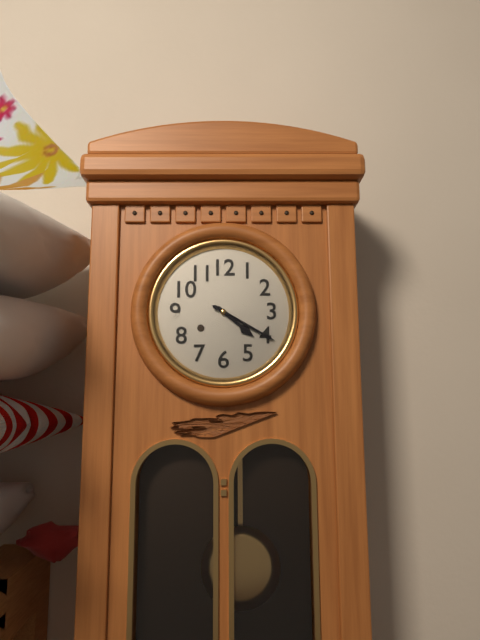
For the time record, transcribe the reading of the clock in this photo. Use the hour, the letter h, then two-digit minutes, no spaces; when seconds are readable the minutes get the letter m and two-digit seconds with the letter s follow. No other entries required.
4h20
